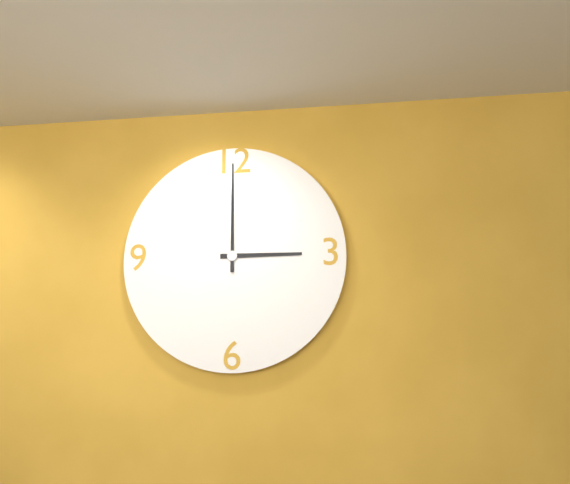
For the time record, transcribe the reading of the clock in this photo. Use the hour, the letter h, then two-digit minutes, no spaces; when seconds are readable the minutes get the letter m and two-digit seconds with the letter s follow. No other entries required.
3h00
